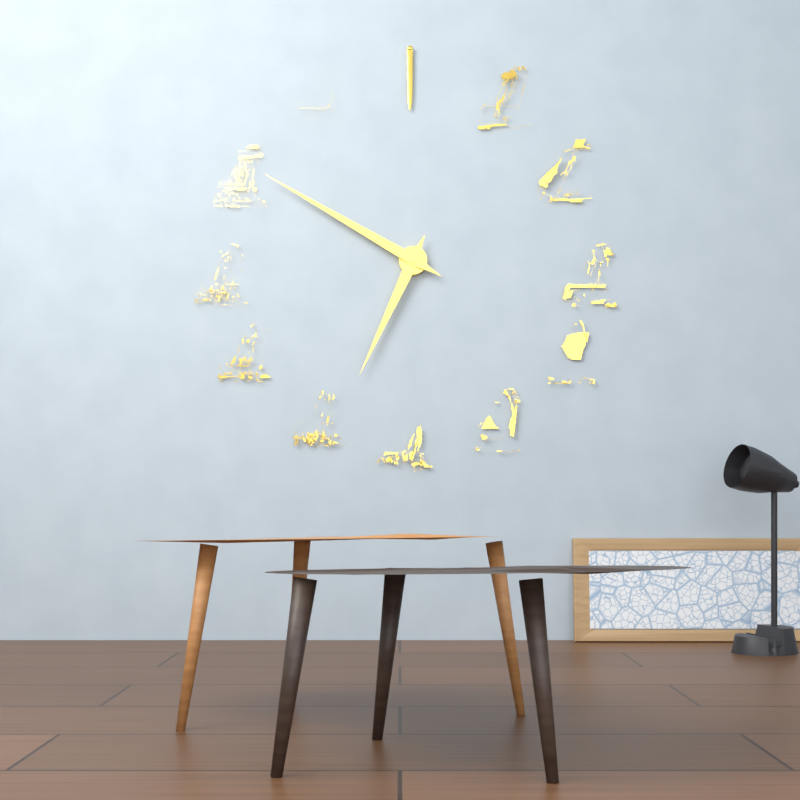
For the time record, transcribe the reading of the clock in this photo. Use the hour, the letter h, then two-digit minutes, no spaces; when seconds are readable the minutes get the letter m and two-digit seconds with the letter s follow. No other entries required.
6h50
